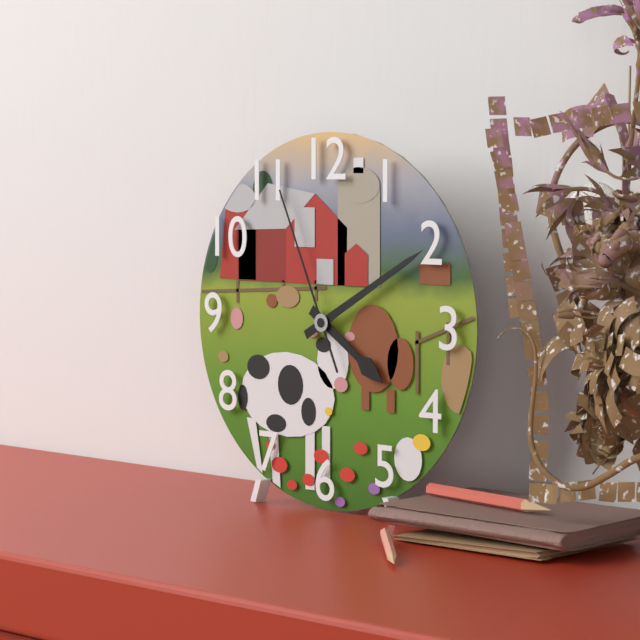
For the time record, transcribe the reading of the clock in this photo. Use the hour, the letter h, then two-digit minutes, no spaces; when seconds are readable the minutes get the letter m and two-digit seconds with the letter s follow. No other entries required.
4h10m56s
